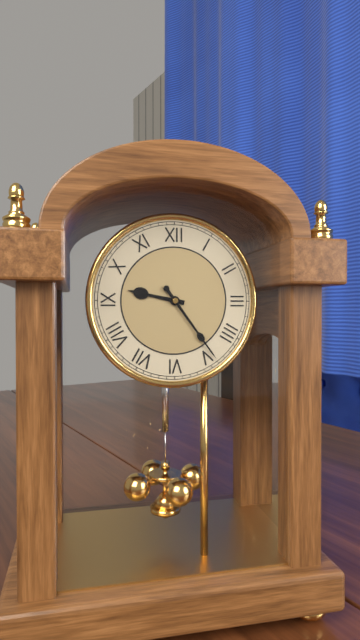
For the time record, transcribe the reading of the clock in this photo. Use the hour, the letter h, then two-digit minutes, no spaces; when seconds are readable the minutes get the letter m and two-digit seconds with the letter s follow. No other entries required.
9h24
